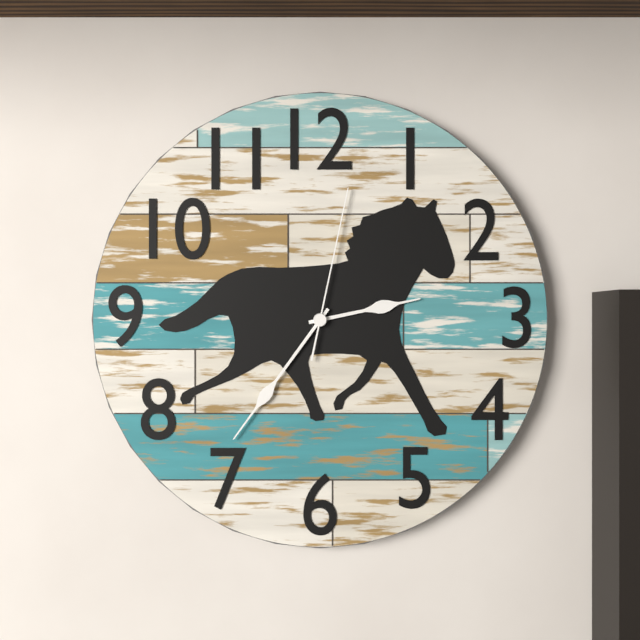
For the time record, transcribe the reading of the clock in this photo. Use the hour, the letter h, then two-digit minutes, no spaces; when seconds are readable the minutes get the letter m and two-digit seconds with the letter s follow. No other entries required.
2h36m02s
